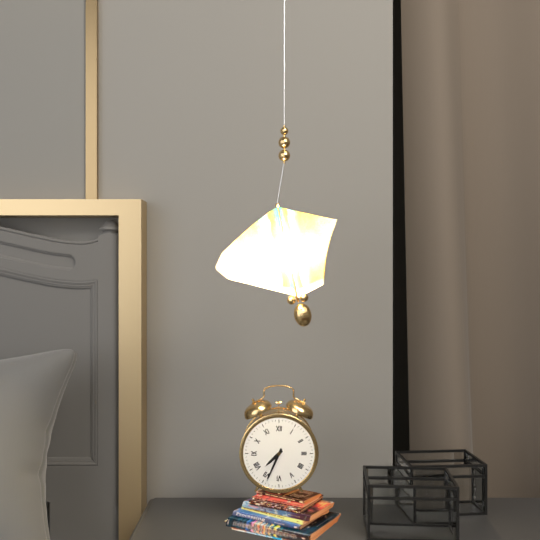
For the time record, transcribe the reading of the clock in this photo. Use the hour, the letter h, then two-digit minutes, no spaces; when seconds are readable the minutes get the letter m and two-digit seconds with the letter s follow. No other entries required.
7h34
